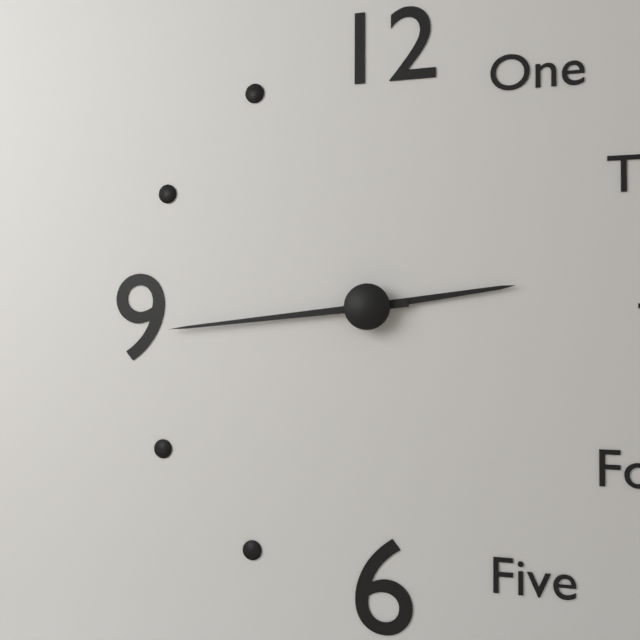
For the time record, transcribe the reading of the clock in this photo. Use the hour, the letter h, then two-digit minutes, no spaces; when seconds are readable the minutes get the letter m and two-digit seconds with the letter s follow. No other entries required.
2h44
